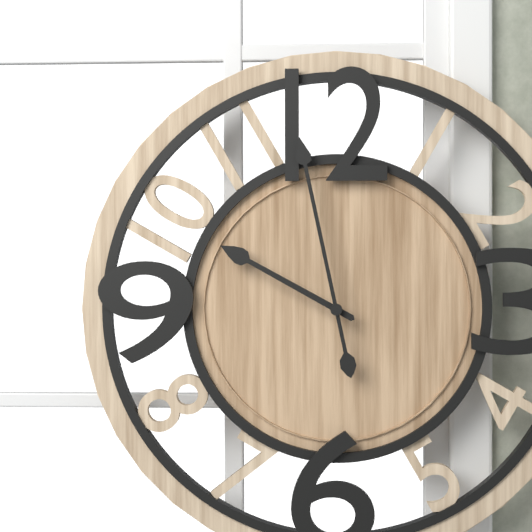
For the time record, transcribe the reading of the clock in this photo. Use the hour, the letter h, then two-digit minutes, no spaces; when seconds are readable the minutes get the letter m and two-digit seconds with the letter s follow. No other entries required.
9h58
